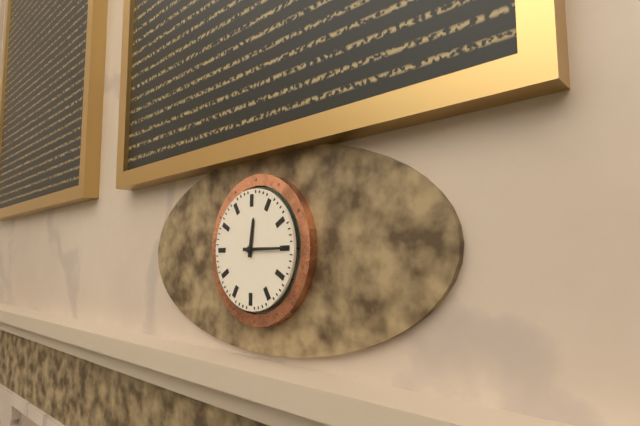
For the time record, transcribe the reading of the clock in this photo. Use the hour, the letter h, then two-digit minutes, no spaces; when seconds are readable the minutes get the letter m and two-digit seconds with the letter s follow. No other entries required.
12h15
